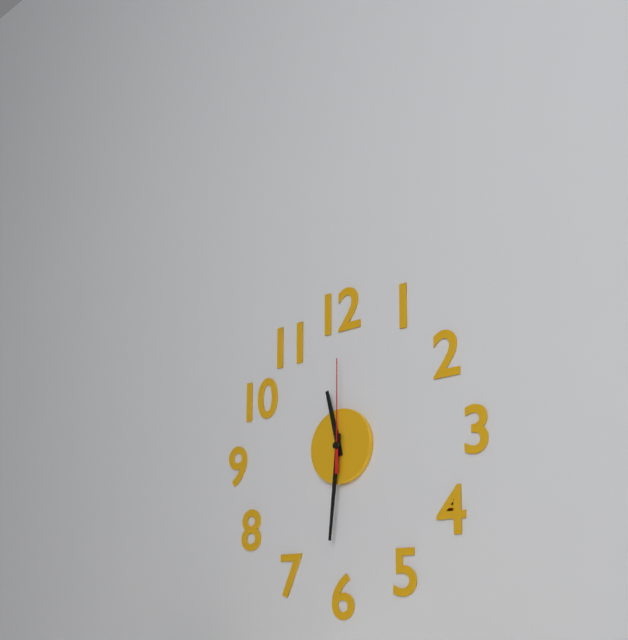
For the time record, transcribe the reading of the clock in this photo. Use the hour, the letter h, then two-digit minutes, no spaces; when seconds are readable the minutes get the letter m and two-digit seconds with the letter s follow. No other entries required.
11h31m00s
